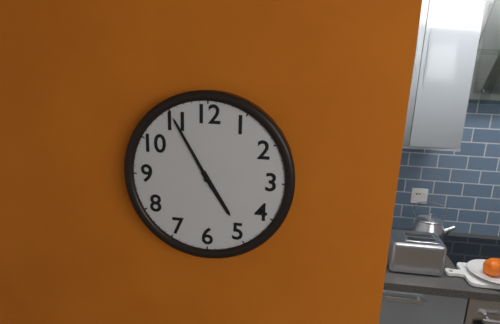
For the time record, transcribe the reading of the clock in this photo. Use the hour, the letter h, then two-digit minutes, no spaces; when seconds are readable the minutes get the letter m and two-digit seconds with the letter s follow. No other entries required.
4h55
